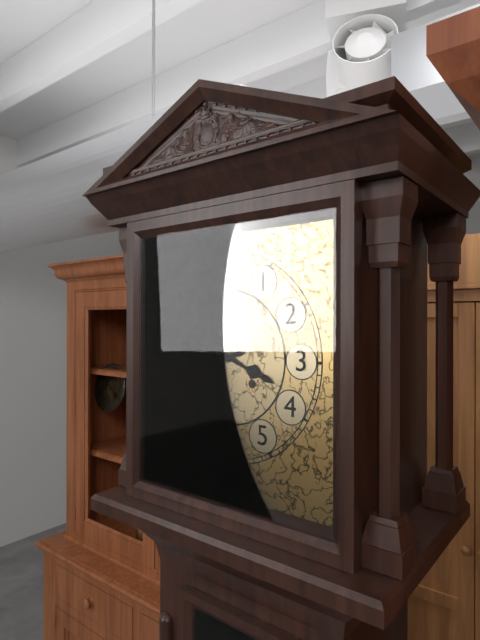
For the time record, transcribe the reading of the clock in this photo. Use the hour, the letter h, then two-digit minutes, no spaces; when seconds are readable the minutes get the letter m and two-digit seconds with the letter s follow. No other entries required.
3h42
